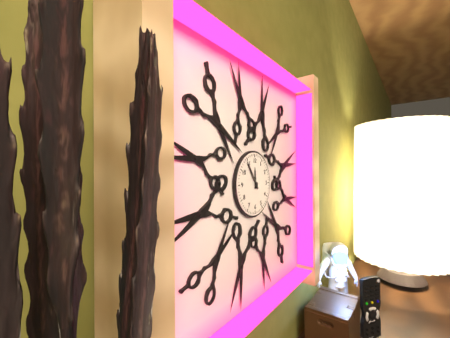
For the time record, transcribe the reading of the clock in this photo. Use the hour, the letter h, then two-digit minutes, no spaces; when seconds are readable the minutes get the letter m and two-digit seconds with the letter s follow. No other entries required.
11h54
